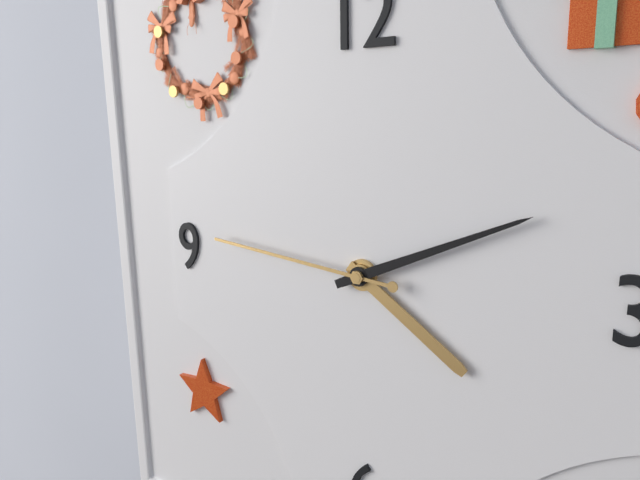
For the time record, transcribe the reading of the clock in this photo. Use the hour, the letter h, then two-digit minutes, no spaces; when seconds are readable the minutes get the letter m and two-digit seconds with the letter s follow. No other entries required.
4h11m46s
